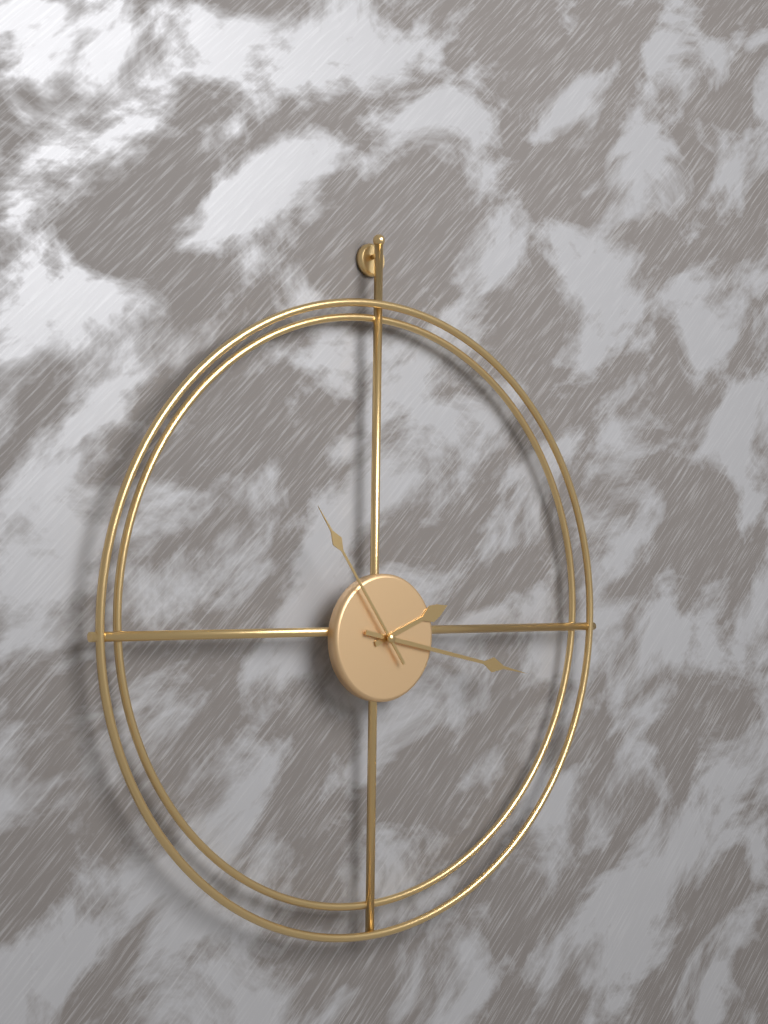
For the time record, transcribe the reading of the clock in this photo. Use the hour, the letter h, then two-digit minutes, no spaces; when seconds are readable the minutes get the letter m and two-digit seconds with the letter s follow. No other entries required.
2h17m54s
